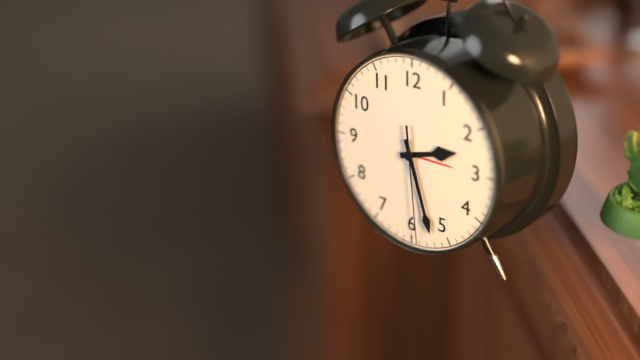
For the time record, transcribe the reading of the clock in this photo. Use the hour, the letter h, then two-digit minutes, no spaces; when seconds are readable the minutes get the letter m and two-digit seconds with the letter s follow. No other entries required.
2h27m29s
